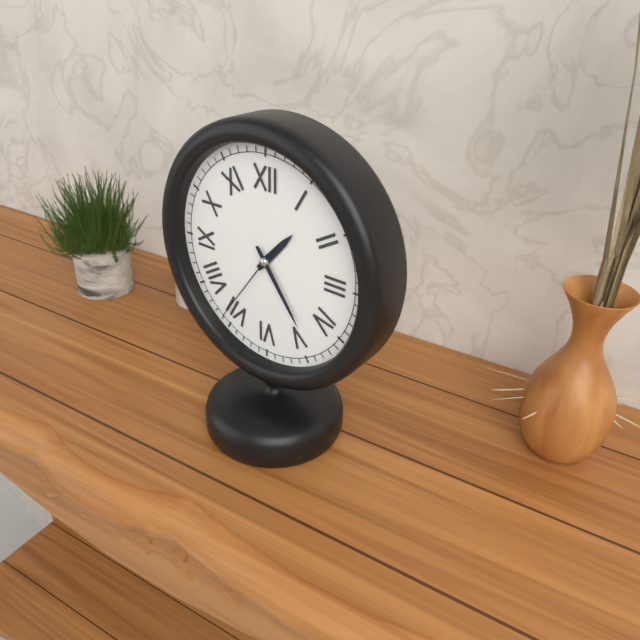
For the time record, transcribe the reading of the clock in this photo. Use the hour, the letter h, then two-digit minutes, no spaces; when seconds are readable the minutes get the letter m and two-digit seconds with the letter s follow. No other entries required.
1h24m36s
